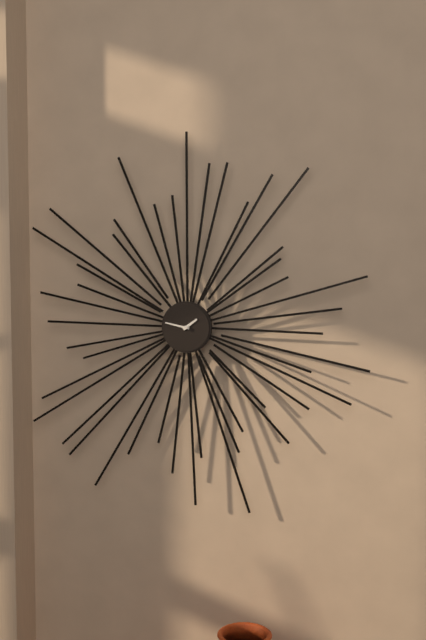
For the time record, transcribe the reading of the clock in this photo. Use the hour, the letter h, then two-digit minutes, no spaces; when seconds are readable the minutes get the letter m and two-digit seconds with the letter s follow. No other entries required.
1h47
